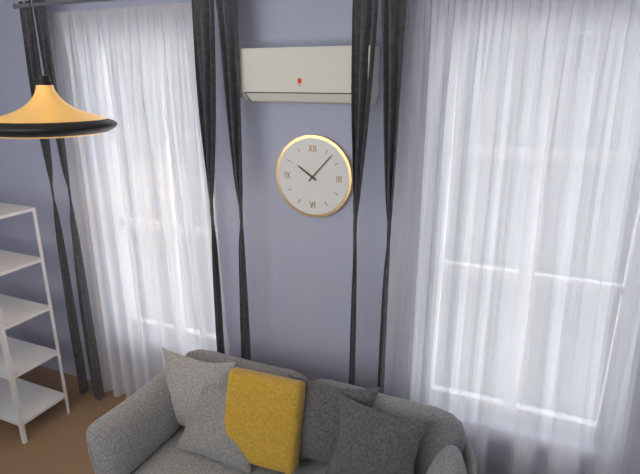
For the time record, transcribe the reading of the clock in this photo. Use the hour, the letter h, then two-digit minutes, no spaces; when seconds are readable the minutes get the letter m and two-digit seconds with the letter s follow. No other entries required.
10h07
